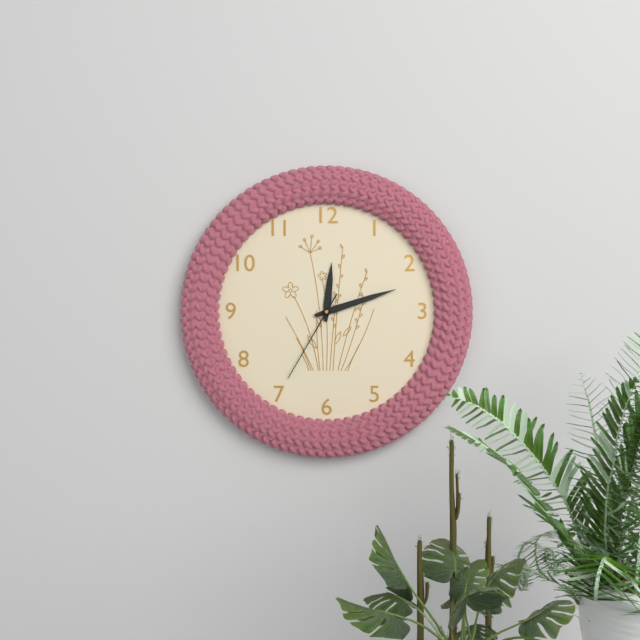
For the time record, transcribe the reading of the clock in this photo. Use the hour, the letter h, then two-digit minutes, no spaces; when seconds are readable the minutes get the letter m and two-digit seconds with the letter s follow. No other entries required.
12h12m35s
